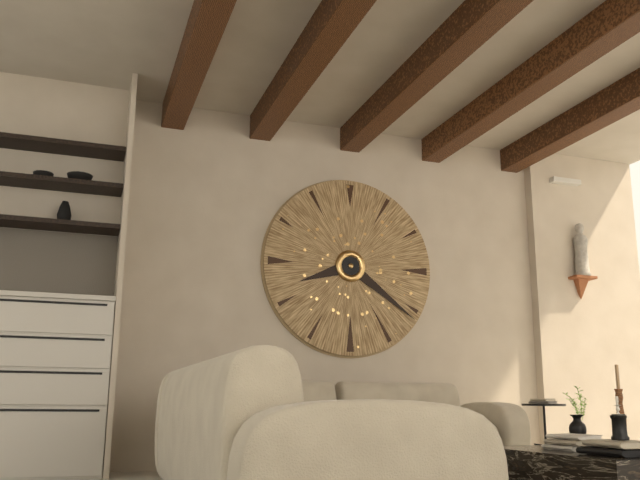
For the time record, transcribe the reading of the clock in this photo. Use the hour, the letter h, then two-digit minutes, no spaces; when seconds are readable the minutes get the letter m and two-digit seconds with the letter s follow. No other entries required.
8h21
